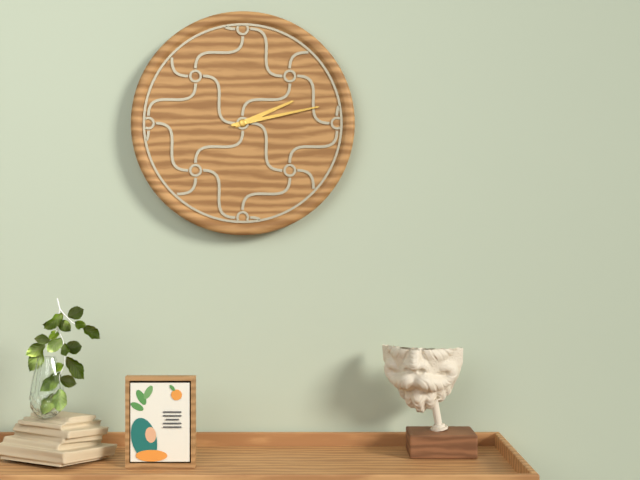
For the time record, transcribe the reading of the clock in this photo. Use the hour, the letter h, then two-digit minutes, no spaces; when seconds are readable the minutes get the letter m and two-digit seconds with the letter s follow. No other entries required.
2h13
